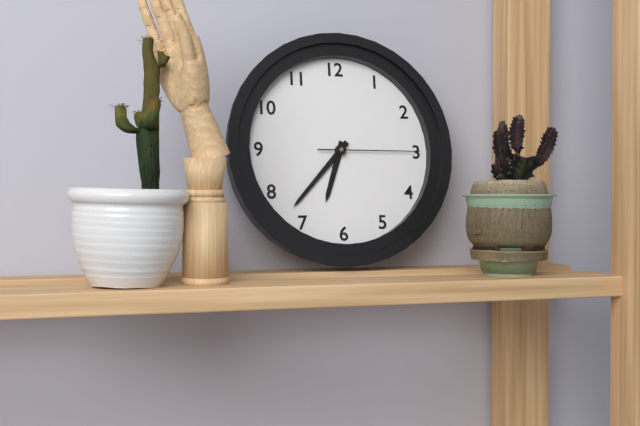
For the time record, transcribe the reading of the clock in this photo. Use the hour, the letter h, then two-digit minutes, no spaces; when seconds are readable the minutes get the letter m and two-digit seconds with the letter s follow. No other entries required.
6h37m15s
